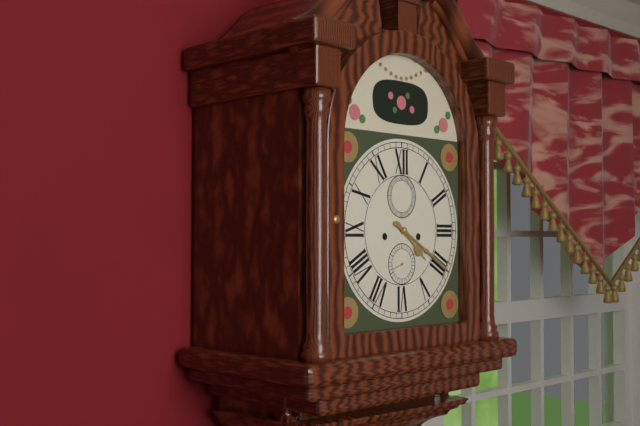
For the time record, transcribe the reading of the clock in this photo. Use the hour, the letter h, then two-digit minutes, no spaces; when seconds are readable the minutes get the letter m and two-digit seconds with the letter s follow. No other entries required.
4h20
